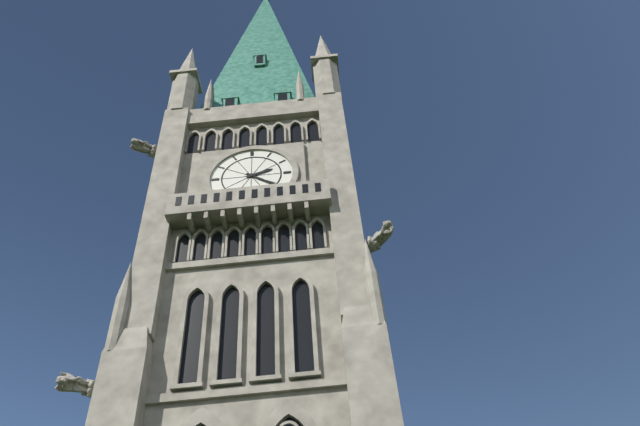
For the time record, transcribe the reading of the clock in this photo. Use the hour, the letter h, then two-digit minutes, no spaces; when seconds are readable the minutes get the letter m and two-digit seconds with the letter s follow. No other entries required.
2h21
